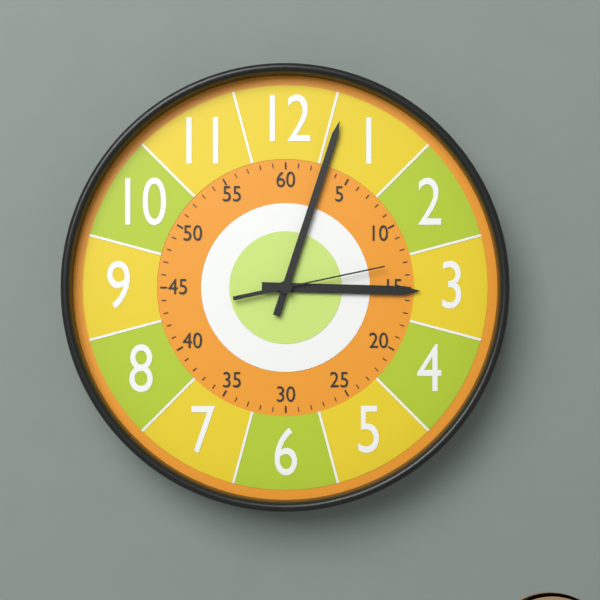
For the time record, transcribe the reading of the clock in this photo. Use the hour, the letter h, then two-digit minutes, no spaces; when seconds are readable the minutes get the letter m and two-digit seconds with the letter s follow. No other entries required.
3h03m13s
